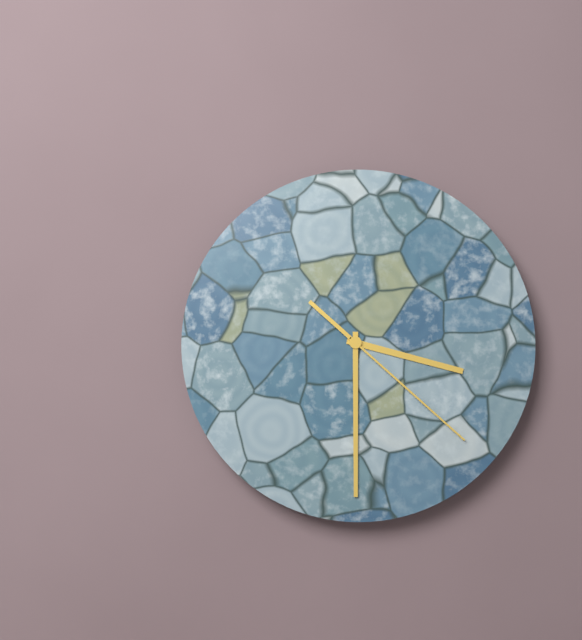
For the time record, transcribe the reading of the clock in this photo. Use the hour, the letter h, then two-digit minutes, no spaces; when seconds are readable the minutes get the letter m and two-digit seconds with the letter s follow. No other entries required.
3h30m22s
